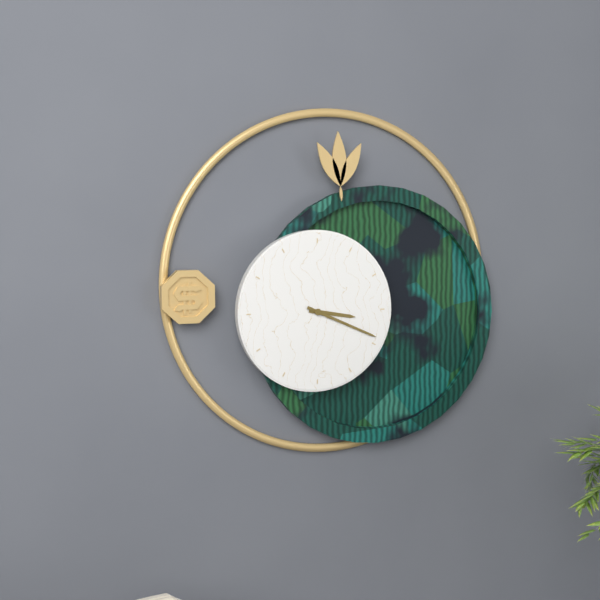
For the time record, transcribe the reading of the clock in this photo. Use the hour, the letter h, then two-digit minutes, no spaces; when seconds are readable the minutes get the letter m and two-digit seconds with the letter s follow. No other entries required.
3h19
